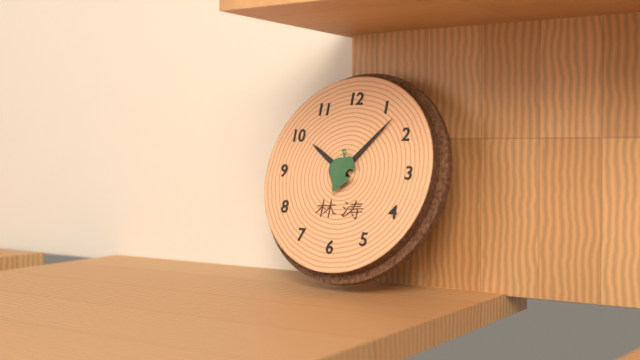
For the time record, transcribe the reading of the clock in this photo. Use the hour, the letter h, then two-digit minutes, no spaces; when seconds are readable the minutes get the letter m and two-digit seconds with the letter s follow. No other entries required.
10h07
